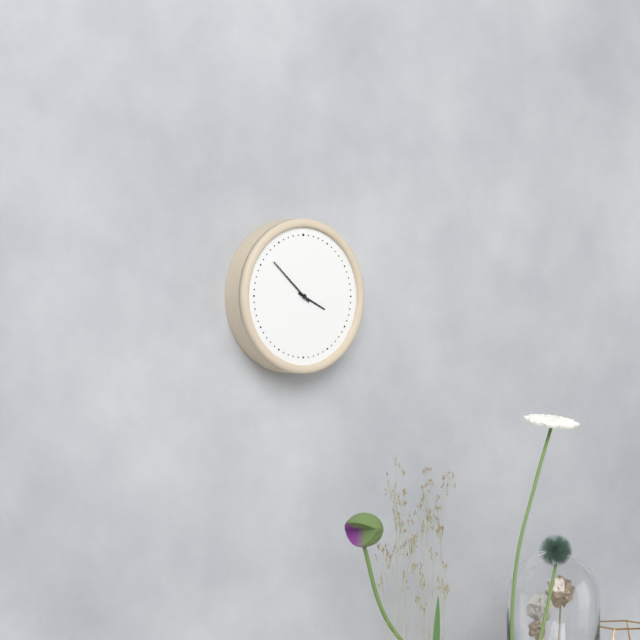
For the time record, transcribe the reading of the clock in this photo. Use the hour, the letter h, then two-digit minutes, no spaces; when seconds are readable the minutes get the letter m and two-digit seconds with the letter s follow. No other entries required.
3h52
